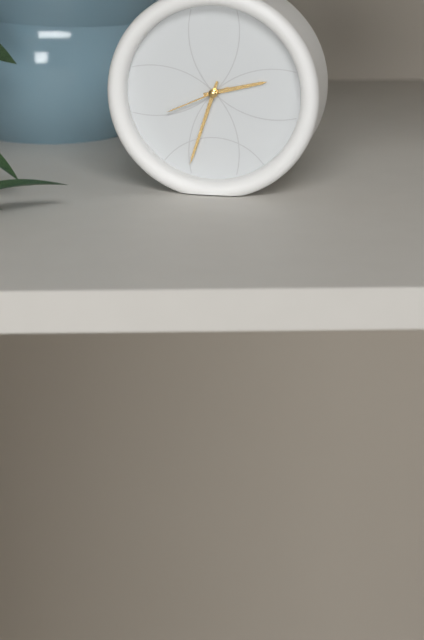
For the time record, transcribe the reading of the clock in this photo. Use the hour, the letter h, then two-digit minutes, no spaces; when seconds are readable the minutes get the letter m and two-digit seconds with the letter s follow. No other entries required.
2h33m41s
